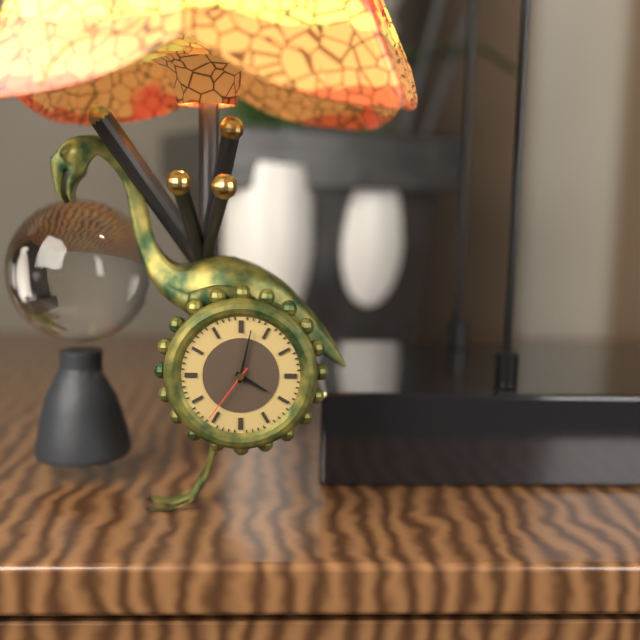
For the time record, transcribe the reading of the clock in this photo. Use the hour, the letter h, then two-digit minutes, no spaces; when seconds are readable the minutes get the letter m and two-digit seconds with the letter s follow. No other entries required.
4h02m36s
